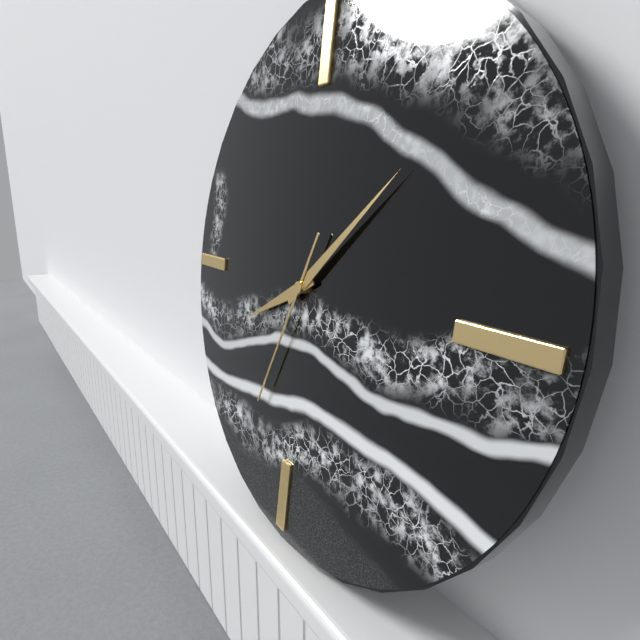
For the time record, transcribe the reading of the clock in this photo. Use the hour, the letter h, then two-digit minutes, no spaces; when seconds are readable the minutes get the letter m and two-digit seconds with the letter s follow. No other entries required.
8h08m34s
